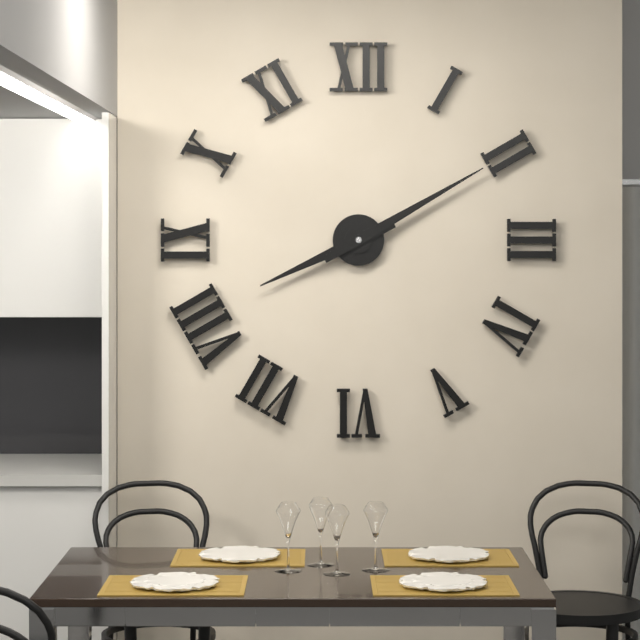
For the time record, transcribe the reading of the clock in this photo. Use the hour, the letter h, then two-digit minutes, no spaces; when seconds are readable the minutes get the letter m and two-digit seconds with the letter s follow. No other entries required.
8h10
